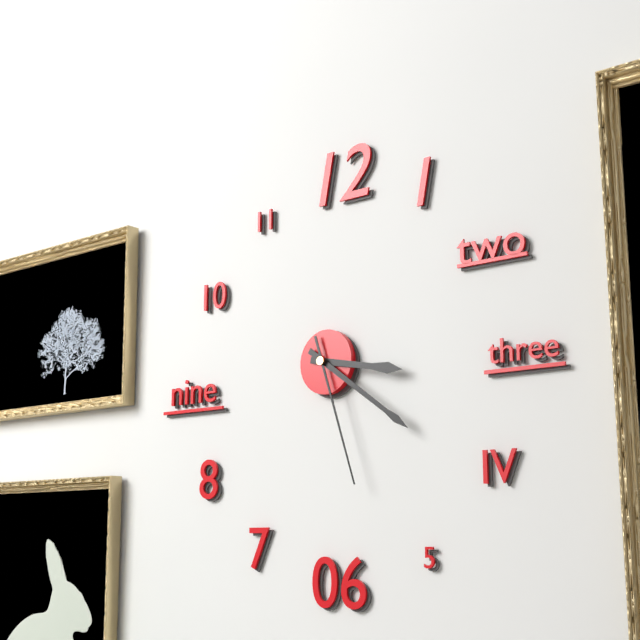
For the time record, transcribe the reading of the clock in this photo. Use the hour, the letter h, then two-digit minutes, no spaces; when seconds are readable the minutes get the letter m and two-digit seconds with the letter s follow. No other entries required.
3h21m27s
